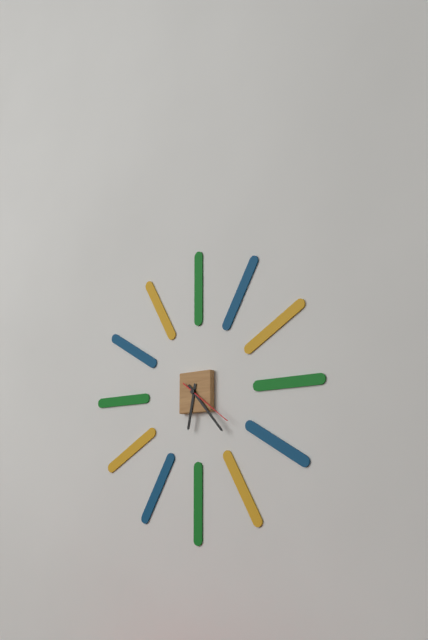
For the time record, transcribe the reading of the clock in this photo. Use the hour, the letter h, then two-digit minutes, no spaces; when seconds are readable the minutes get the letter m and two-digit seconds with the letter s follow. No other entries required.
6h23m21s
